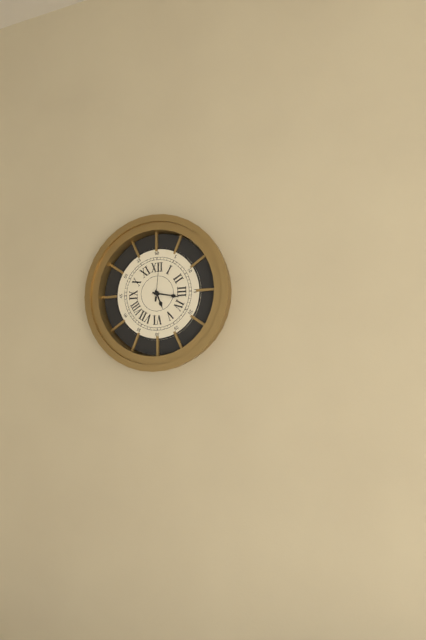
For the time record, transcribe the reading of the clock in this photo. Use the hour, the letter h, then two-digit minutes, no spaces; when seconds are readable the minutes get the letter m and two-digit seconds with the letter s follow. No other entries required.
5h17
